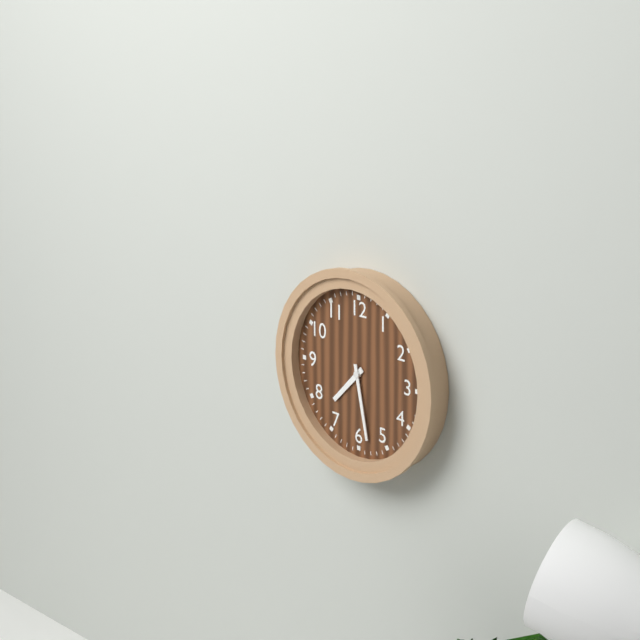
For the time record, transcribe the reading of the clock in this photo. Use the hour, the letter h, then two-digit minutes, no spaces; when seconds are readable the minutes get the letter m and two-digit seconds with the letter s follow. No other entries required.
7h28
